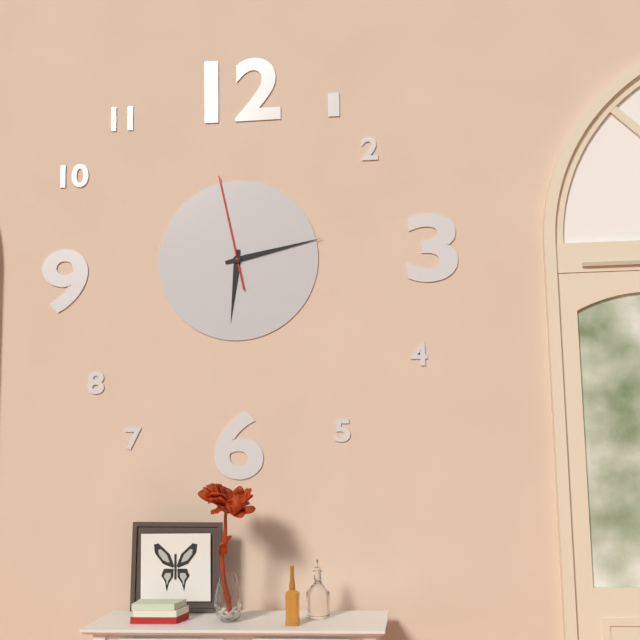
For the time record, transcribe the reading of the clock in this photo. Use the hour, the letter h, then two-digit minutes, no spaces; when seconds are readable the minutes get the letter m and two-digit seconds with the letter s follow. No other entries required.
6h13m58s
